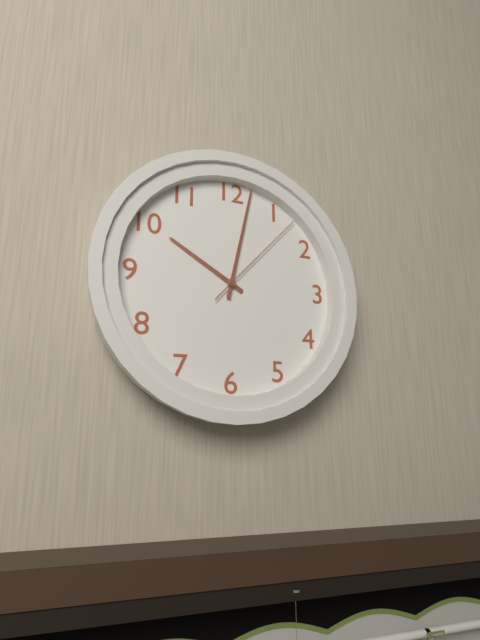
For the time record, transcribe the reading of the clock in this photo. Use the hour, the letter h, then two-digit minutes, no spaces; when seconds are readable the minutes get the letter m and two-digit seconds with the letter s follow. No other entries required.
10h02m07s
